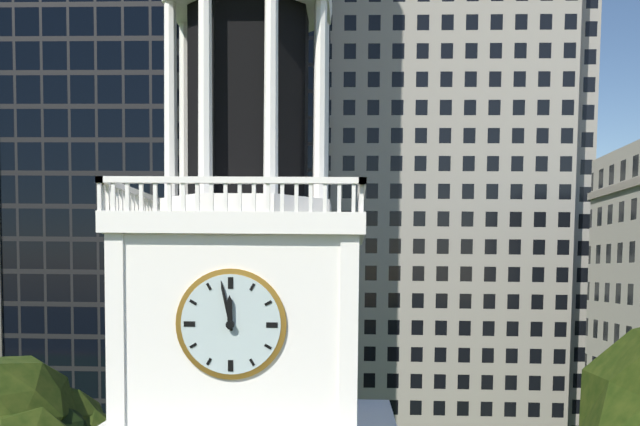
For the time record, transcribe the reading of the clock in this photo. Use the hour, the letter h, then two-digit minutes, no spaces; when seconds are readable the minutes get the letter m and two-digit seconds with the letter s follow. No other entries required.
11h58
